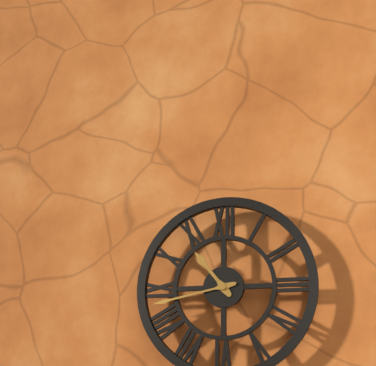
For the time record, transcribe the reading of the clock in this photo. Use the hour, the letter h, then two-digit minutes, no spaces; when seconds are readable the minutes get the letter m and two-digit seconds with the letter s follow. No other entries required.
10h43
